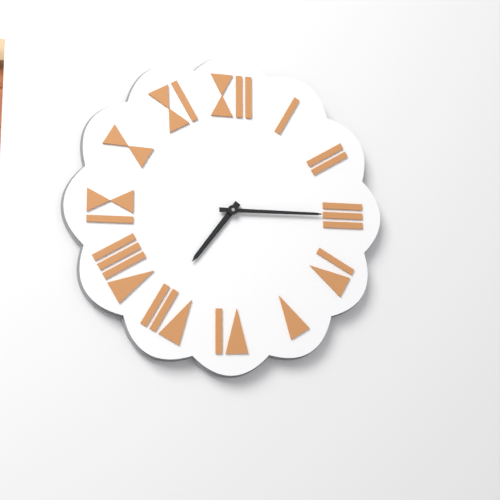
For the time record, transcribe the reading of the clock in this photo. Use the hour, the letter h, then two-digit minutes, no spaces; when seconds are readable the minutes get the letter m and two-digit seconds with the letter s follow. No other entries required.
7h15
